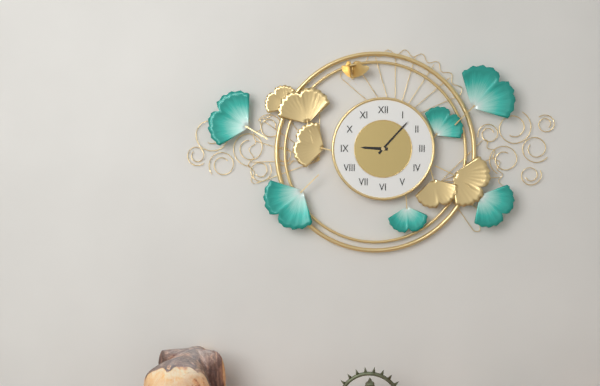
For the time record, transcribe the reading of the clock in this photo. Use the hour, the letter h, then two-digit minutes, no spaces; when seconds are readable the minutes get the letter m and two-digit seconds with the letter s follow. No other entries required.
9h07
